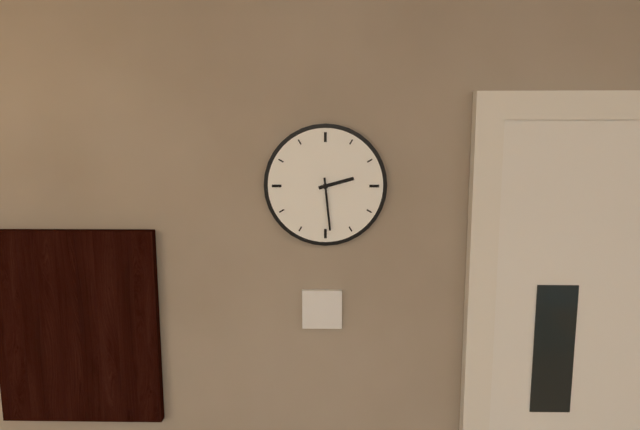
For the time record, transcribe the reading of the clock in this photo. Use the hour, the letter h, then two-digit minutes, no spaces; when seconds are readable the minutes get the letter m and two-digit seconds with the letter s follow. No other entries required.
2h29
